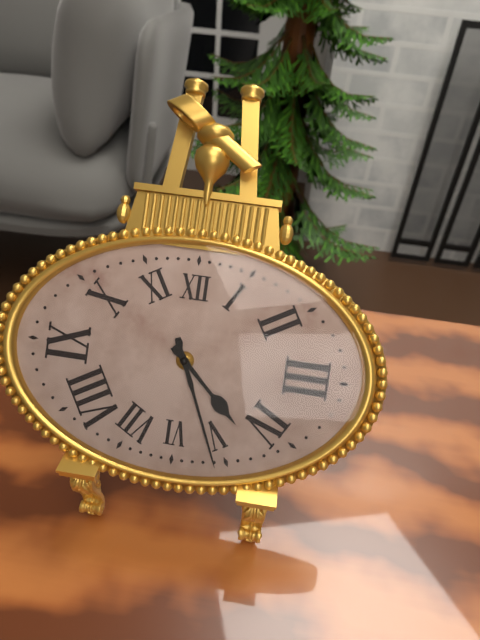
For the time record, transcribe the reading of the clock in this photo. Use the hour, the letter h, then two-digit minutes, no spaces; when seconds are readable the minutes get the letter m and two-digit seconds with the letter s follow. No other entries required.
4h26
